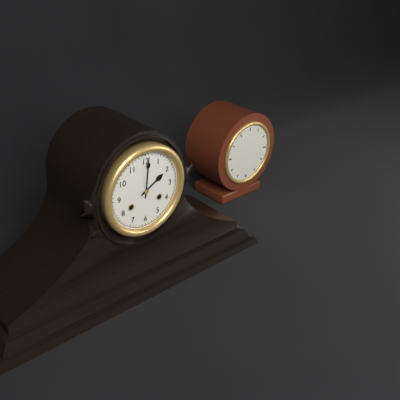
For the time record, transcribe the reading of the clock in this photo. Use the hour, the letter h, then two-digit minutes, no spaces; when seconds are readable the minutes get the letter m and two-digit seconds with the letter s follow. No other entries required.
2h01
